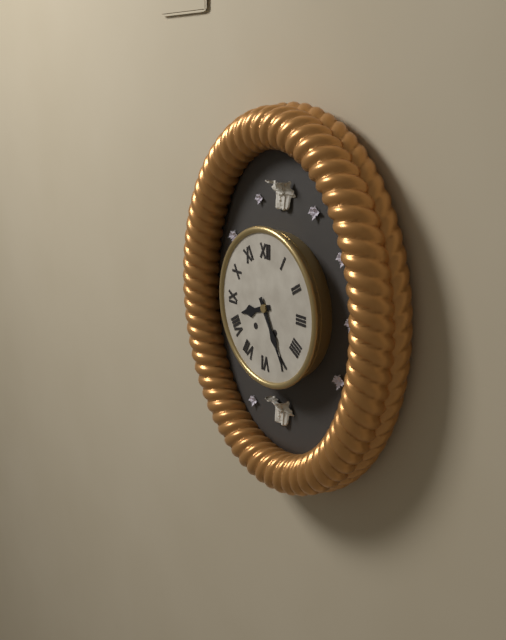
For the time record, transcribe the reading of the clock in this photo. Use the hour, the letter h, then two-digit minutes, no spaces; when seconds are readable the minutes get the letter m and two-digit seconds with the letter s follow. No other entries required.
8h25
